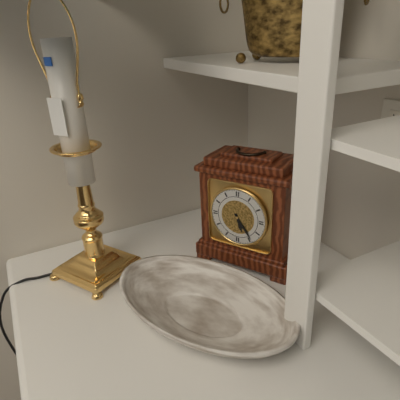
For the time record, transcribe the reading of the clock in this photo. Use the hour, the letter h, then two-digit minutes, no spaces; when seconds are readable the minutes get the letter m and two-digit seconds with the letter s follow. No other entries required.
5h24
